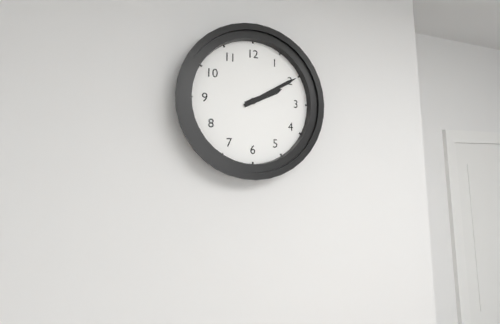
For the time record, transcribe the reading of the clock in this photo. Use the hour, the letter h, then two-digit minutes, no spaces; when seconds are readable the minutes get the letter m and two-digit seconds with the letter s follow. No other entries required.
2h10
